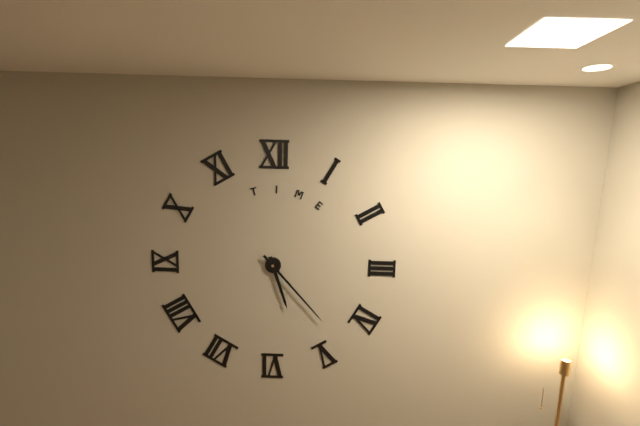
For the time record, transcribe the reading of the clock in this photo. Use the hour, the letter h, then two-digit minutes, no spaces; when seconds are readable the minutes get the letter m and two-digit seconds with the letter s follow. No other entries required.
5h23
